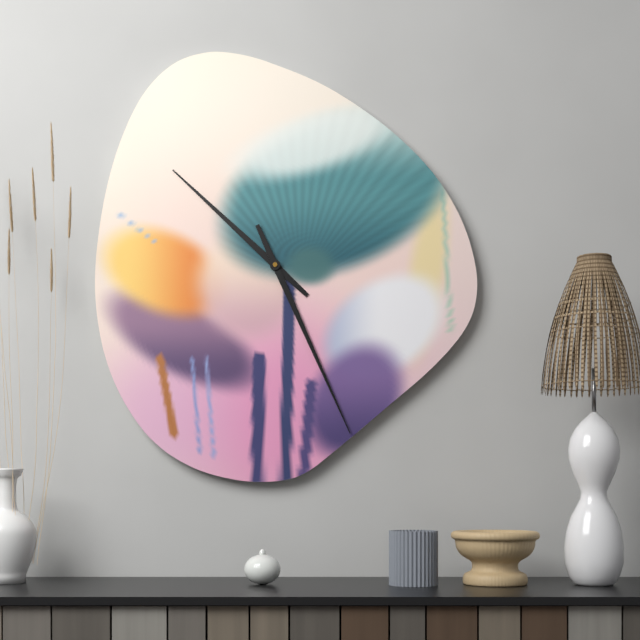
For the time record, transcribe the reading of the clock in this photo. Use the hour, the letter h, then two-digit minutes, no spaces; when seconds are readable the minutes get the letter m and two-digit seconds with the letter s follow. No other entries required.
10h26
